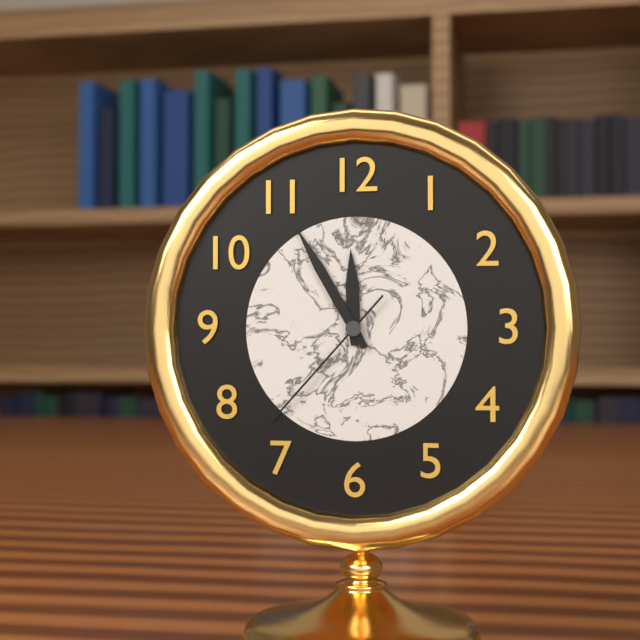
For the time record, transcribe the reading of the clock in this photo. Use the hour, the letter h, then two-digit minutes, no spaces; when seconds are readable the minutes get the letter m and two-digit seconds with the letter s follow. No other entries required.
11h55m37s
